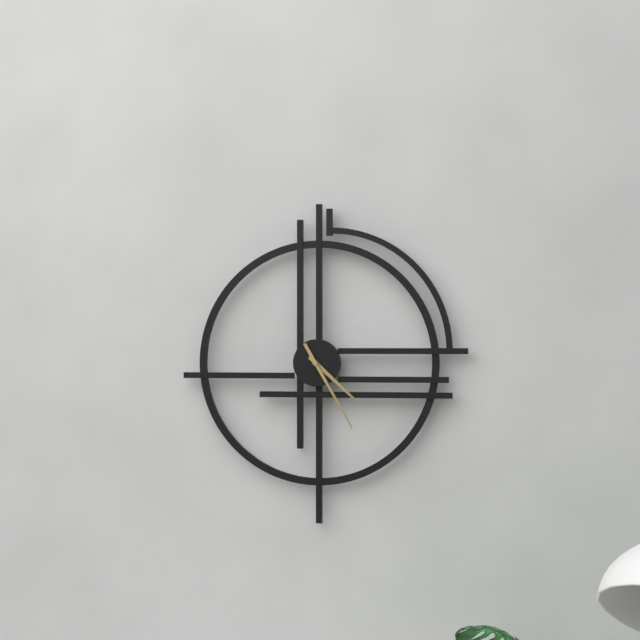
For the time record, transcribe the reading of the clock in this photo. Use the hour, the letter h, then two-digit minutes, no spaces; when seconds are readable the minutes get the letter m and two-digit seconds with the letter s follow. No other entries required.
4h25
